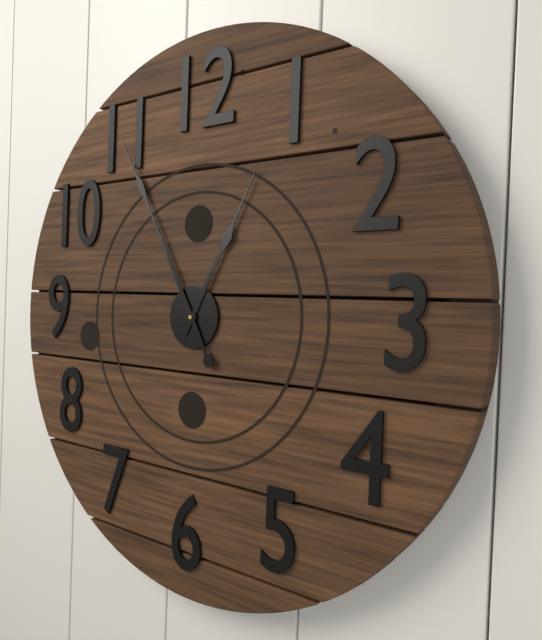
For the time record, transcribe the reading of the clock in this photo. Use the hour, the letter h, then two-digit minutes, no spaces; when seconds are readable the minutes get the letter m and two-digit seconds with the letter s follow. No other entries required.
12h55
